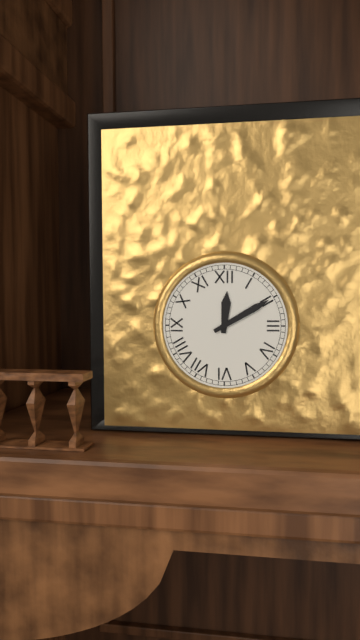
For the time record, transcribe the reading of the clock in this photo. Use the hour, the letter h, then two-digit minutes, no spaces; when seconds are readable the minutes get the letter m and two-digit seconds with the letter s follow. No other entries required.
12h10
